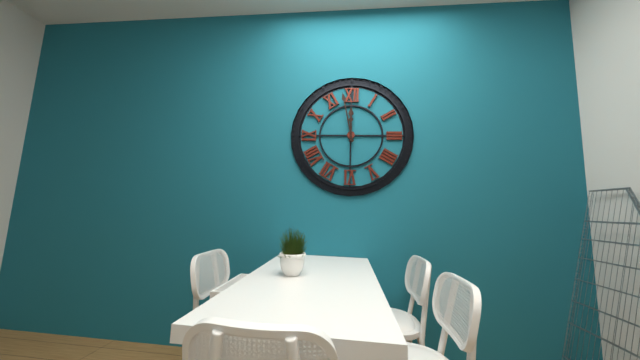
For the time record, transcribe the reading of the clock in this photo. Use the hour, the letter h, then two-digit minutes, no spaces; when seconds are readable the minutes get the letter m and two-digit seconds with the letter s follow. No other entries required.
11h58
